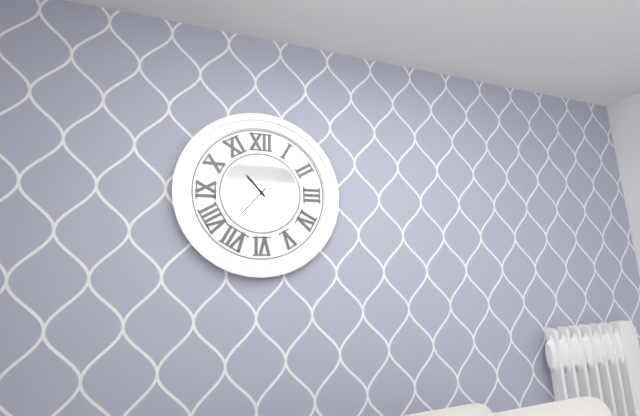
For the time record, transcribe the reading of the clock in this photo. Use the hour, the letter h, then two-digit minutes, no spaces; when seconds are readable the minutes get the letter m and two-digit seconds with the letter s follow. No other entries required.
10h37
